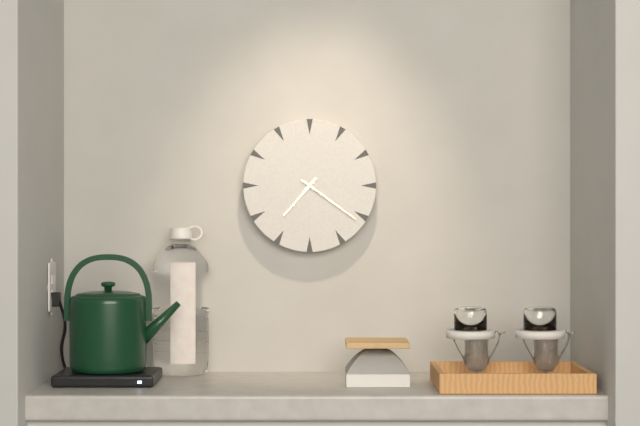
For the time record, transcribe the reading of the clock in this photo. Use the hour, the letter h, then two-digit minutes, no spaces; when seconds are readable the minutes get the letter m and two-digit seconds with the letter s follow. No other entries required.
7h21
